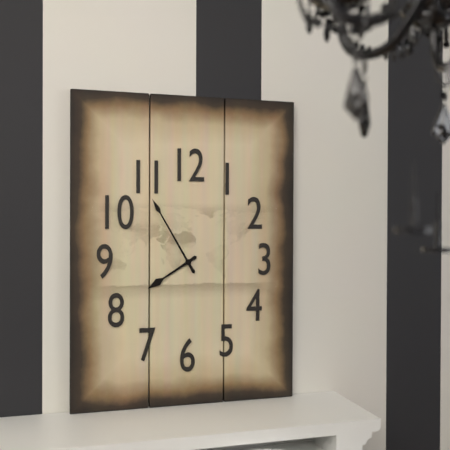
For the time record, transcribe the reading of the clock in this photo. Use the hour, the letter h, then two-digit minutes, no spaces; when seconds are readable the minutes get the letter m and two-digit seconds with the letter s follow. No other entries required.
7h55
